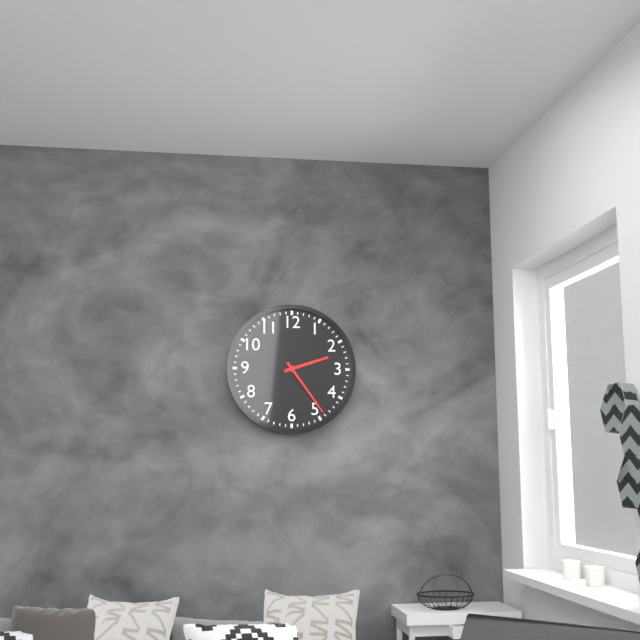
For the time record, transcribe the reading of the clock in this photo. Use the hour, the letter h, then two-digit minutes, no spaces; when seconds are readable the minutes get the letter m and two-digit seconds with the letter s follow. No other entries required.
2h24
